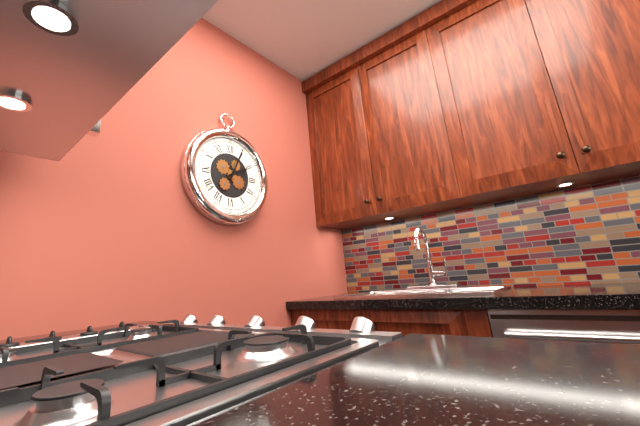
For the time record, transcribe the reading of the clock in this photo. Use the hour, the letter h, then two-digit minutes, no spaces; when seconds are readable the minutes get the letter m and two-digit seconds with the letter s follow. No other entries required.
2h04
